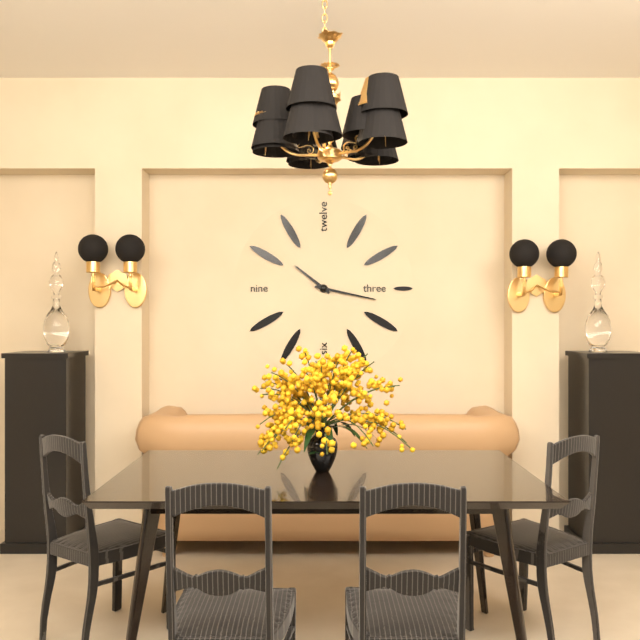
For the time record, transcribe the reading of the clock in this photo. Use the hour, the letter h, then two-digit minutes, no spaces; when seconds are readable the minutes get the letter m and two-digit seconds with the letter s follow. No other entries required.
10h17
